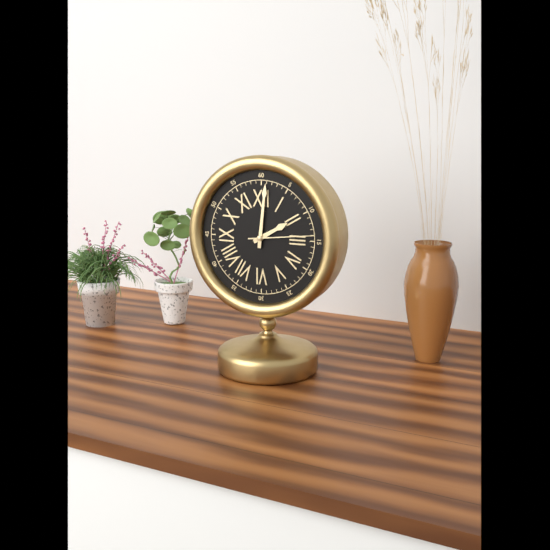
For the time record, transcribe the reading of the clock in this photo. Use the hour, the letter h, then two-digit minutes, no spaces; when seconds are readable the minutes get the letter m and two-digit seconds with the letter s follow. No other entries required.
2h01m14s
